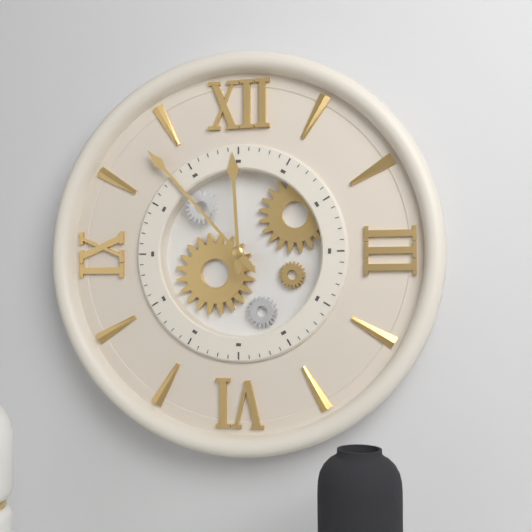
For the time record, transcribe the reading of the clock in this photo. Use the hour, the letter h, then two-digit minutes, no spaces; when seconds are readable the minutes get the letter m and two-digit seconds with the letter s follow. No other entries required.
11h53
